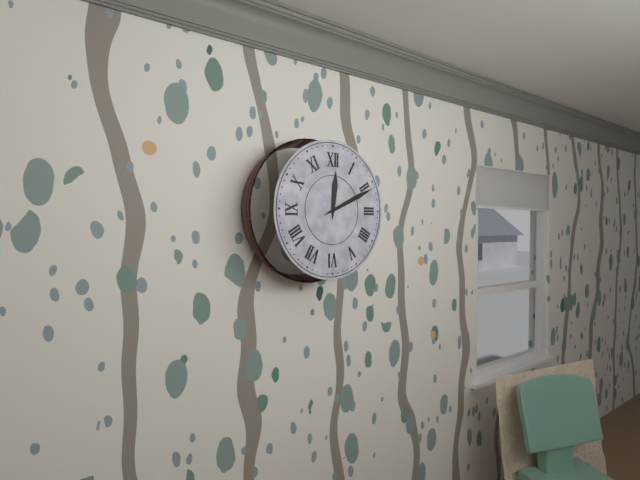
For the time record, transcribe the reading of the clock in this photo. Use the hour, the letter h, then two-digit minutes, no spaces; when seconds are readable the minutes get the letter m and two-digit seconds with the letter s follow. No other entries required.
12h11
